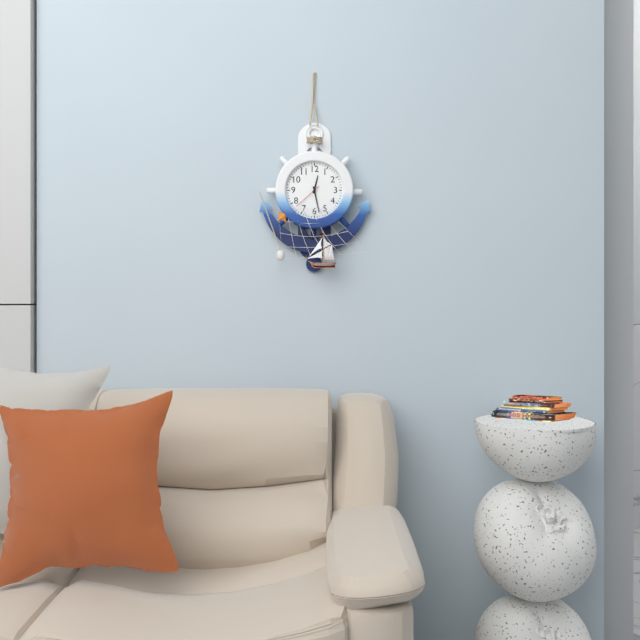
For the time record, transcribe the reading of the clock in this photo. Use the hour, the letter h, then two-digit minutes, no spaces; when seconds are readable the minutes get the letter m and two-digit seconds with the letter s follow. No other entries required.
12h28
